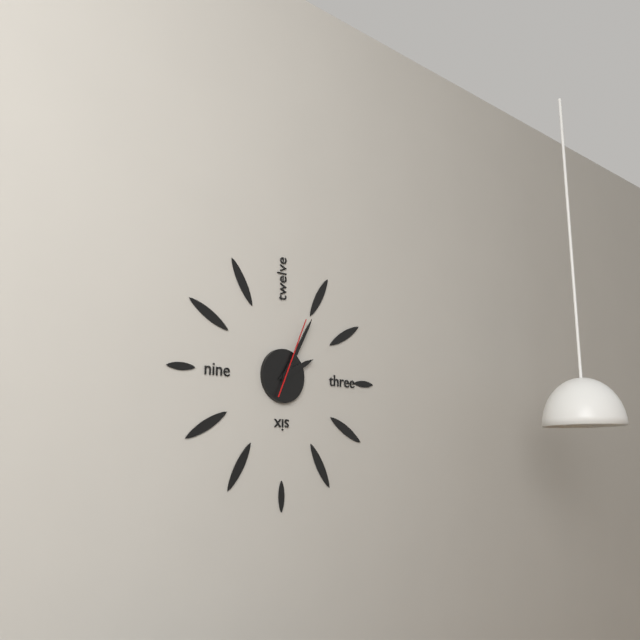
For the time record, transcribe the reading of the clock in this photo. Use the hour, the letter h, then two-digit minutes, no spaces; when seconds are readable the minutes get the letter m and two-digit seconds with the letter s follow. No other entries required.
2h05m04s
